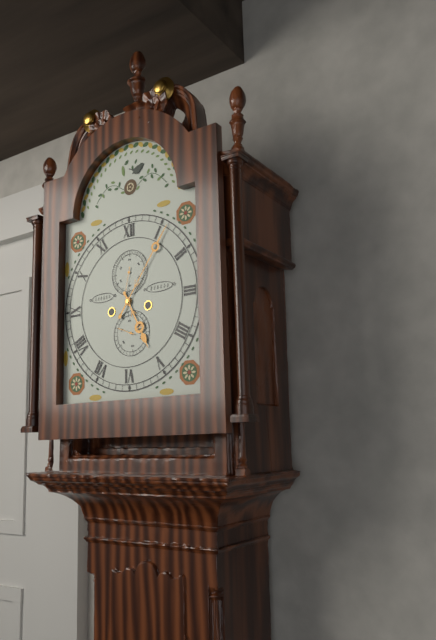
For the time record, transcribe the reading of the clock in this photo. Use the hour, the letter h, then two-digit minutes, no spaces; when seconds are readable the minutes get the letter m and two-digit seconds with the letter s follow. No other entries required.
5h06
